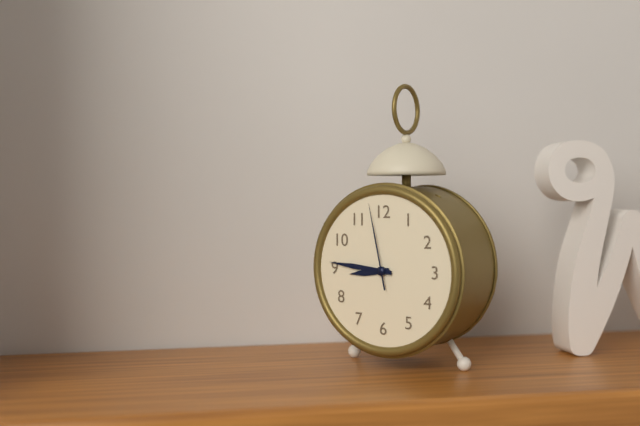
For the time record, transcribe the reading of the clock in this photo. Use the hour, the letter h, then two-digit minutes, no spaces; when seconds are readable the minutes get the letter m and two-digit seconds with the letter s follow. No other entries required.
8h46m58s
